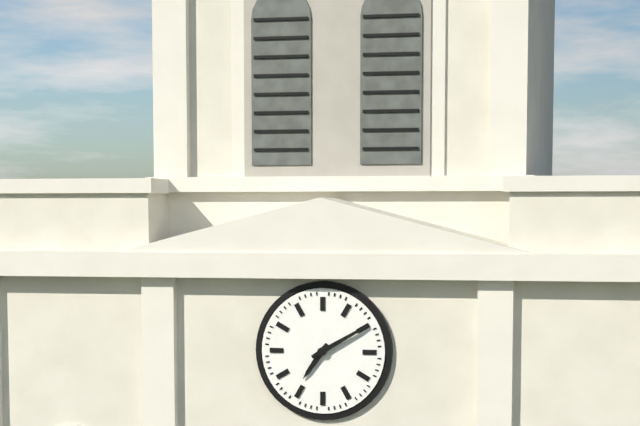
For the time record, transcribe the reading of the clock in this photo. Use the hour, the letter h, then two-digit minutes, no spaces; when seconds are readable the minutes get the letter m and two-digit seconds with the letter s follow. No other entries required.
7h10
